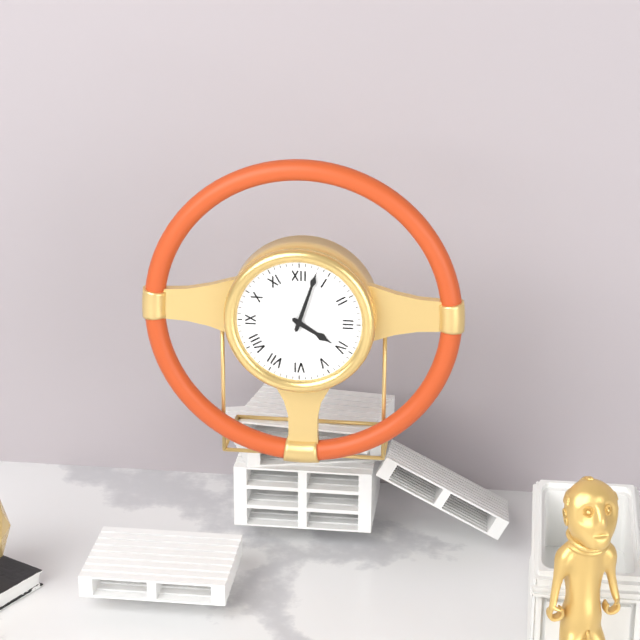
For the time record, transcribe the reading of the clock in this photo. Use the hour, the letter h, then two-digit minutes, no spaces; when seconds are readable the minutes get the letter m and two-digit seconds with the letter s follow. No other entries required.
4h03
